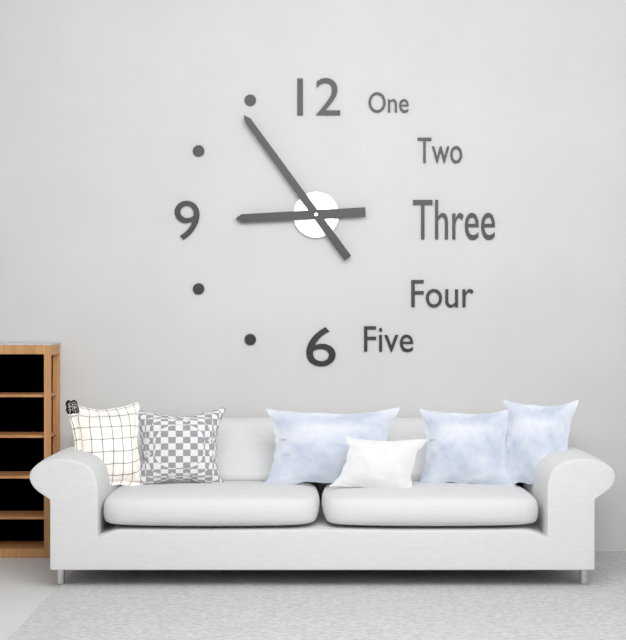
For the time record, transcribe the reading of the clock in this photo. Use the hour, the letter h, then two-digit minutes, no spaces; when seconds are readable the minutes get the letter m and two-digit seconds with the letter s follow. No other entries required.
8h54
